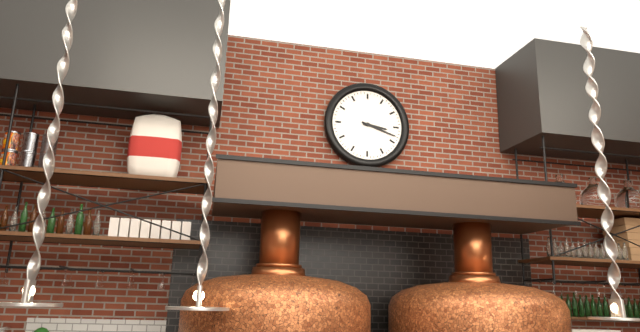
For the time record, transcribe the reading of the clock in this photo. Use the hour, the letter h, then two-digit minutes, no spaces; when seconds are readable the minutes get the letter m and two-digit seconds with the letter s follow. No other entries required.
3h18
